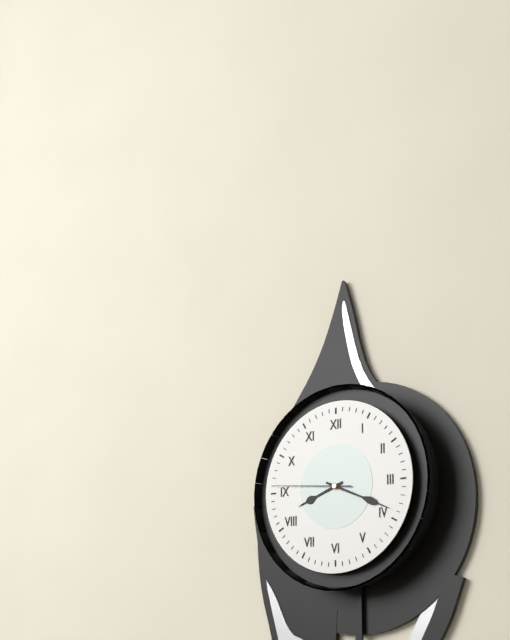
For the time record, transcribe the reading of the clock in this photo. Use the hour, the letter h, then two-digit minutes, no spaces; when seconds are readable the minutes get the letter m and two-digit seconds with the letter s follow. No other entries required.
8h19m46s
